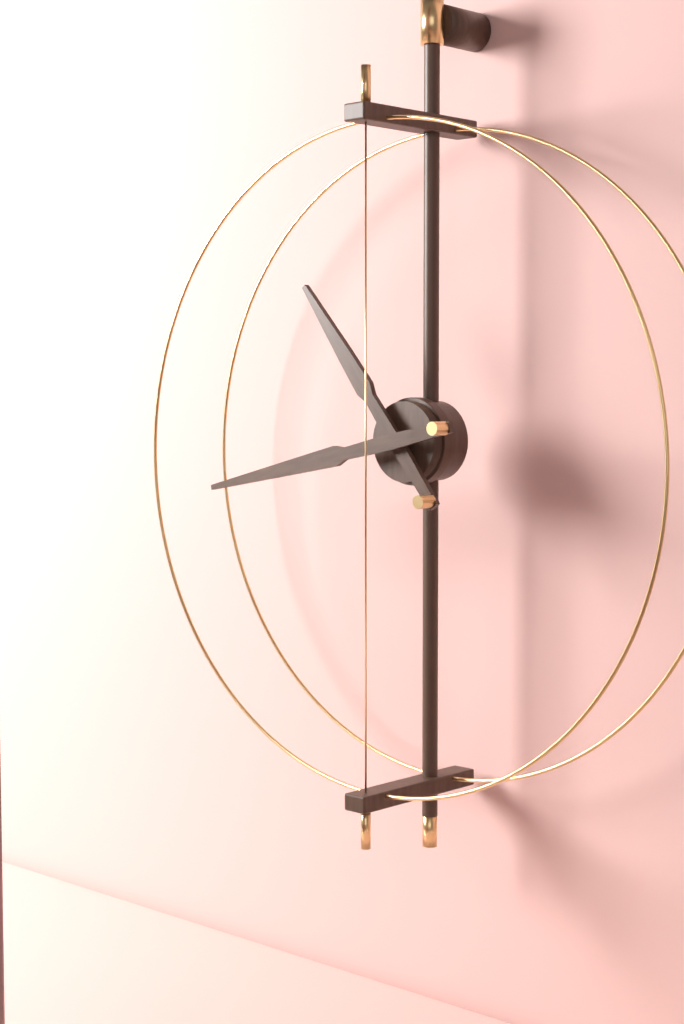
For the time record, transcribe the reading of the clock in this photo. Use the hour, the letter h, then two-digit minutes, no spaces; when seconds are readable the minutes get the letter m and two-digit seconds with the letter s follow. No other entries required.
10h43
